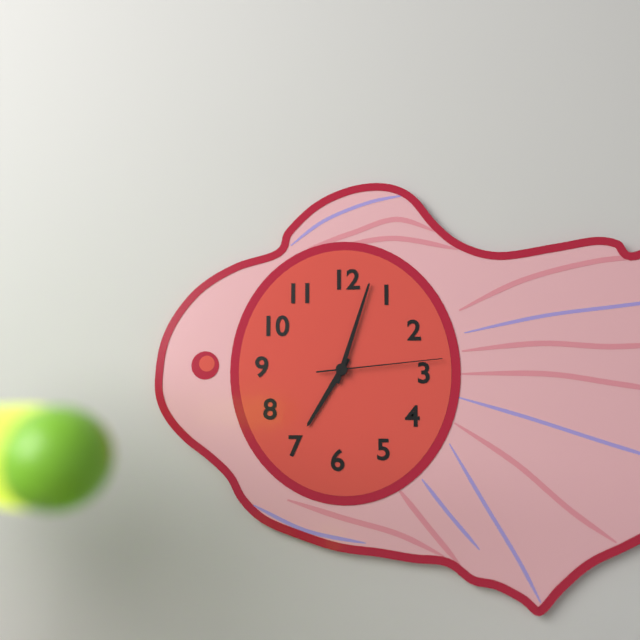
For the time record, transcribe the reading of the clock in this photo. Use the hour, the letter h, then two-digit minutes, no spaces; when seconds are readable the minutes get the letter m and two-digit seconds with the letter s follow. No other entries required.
7h03m14s
